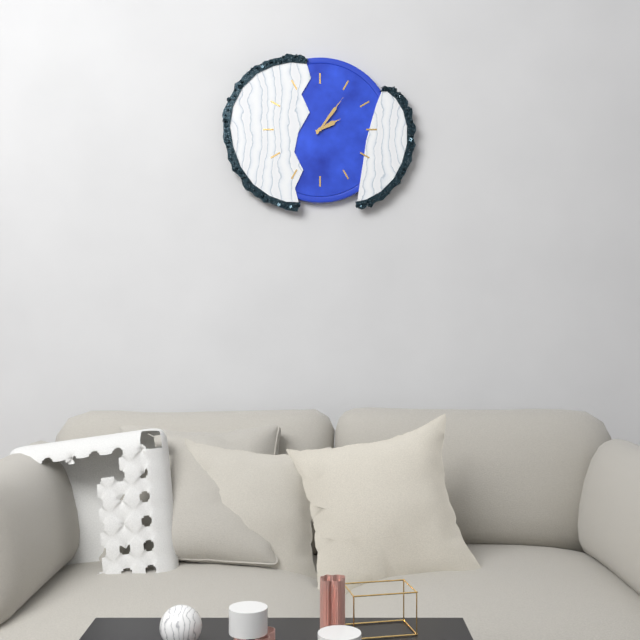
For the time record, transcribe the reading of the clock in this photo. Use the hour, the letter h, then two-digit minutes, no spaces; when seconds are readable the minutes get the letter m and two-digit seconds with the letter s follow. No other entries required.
2h06
